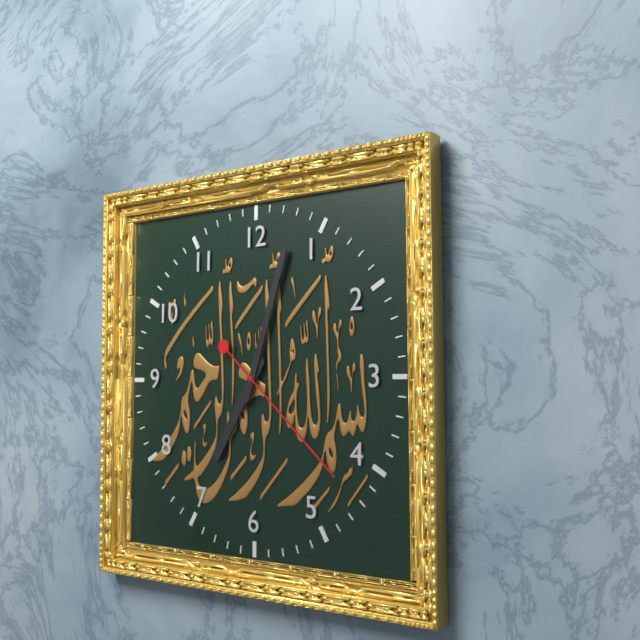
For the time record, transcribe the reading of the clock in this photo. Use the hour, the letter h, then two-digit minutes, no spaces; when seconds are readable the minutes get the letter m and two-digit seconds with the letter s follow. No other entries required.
7h03m22s
